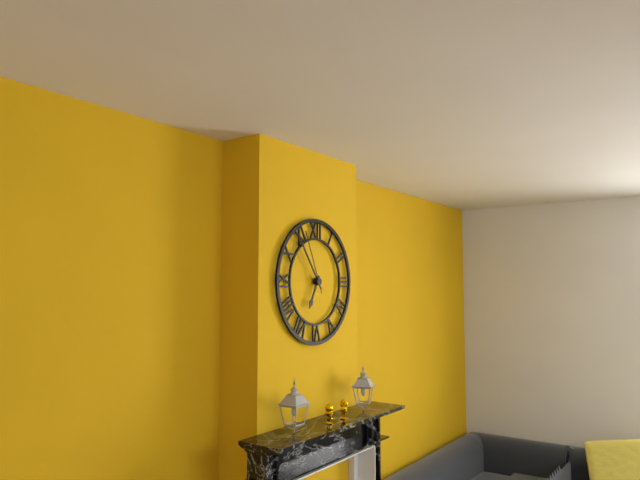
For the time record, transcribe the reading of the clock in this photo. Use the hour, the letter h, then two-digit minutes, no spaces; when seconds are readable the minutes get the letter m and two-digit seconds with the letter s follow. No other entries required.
6h54m56s
